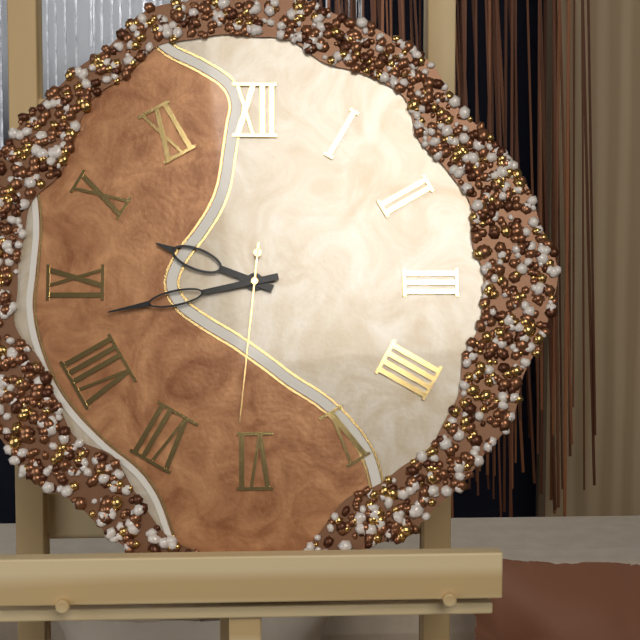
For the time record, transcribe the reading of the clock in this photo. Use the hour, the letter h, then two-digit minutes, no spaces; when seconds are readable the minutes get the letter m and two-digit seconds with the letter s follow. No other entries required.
9h43m31s
